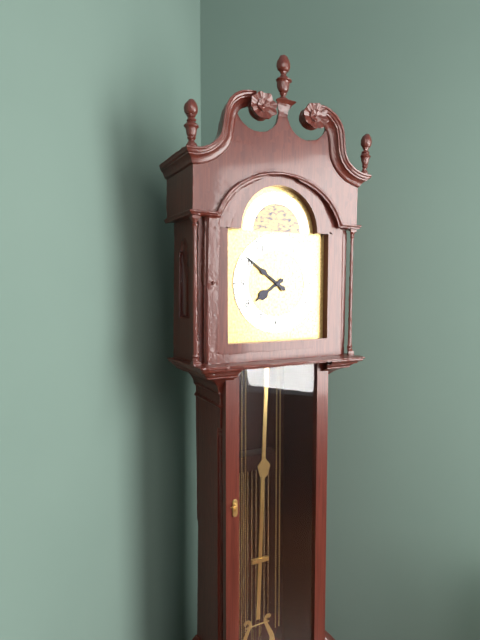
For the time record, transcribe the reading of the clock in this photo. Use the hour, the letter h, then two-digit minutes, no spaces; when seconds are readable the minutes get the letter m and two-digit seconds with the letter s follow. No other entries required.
7h51
